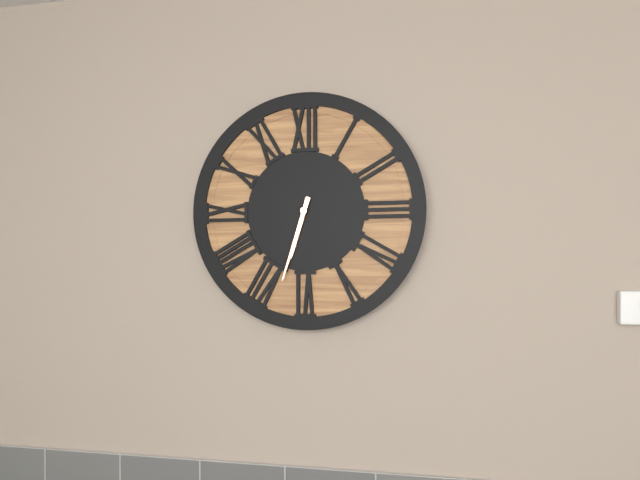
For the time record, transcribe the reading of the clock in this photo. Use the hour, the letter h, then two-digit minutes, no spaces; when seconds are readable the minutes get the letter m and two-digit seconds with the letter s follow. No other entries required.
6h33
